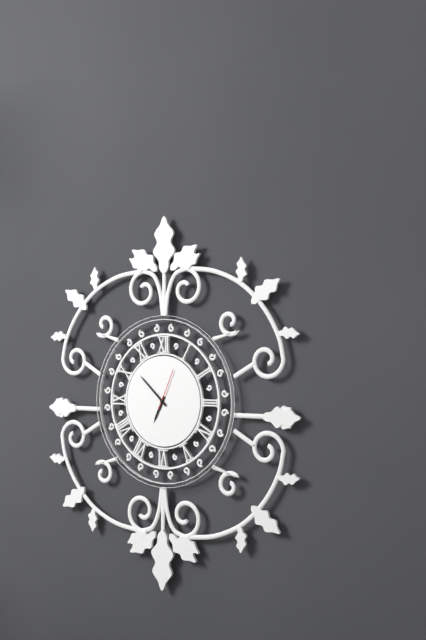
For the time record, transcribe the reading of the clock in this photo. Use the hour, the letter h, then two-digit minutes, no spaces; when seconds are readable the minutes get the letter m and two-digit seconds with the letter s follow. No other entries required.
6h52
